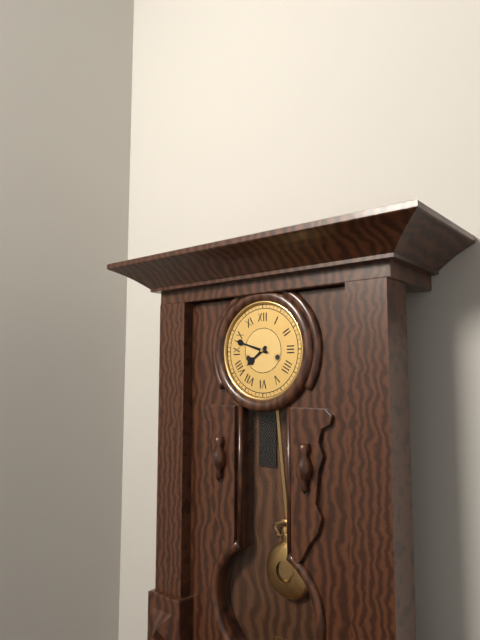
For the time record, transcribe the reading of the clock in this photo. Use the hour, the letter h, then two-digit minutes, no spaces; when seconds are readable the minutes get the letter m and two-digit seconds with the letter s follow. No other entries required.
7h48
